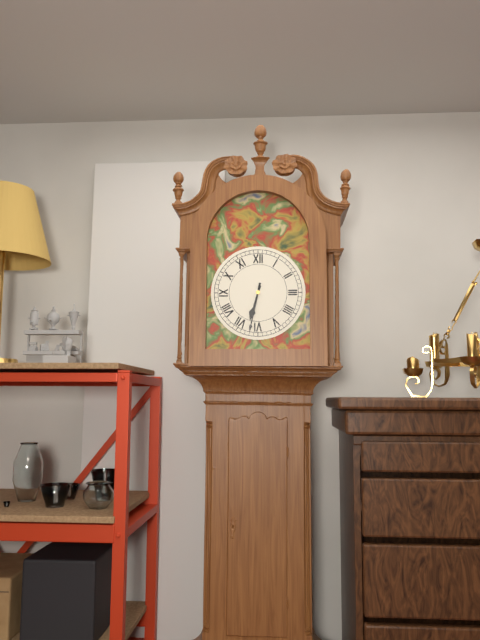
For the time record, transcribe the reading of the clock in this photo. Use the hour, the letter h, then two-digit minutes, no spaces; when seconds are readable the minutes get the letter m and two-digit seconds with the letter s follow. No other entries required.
6h32
